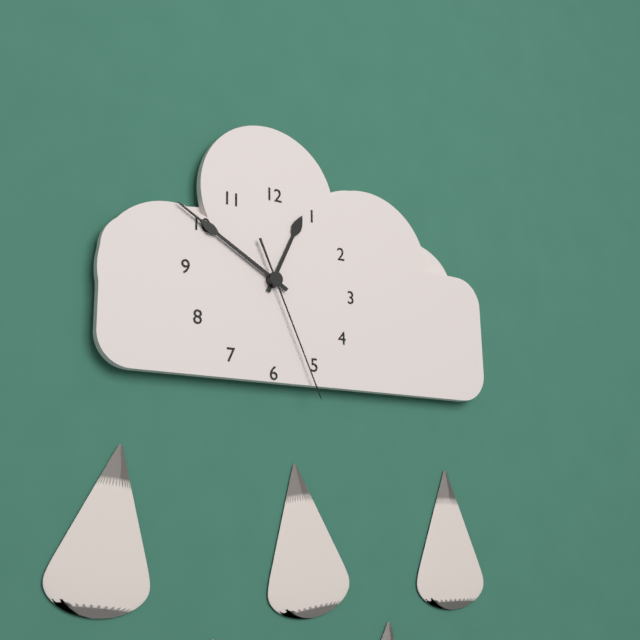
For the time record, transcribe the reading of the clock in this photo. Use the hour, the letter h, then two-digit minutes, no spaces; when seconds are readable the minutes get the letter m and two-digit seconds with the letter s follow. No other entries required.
12h50m26s
